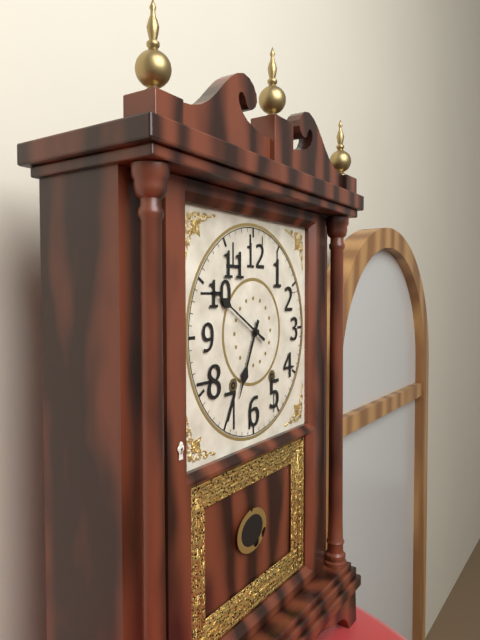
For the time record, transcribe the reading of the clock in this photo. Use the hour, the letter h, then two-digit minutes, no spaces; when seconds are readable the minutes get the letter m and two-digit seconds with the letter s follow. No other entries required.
6h50
